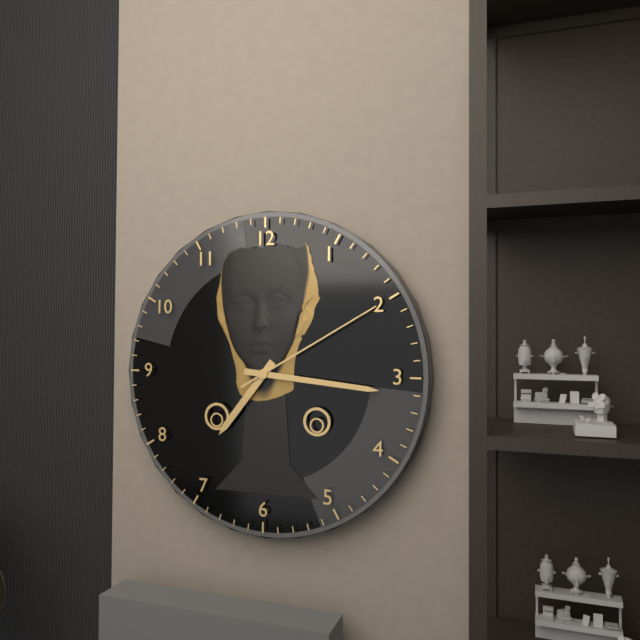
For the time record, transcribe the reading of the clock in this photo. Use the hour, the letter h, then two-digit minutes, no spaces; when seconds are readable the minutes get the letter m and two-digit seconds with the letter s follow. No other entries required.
7h16m10s
